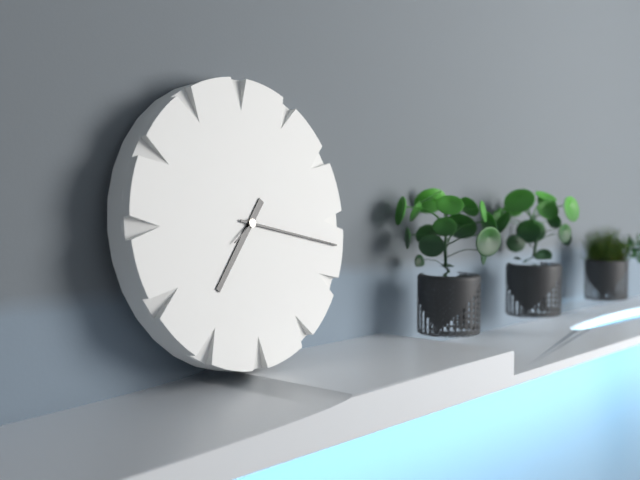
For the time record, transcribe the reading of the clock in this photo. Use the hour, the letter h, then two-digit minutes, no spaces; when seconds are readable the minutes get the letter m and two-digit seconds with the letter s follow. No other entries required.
7h17
